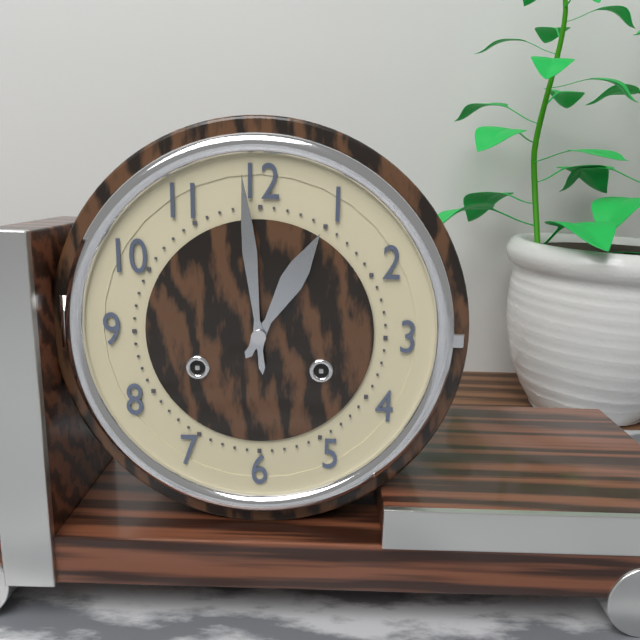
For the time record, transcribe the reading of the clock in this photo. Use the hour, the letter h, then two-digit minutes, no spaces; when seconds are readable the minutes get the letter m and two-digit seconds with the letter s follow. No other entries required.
12h59
